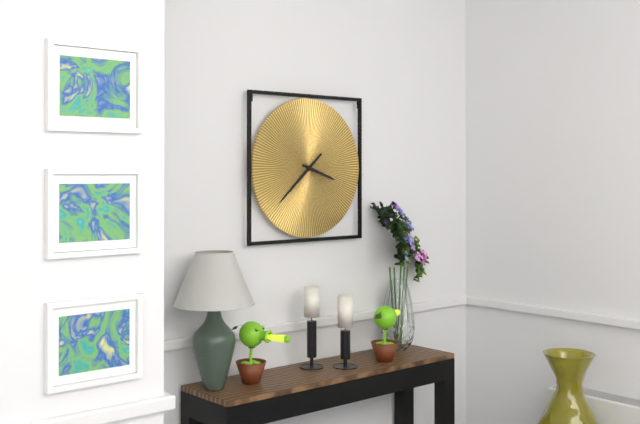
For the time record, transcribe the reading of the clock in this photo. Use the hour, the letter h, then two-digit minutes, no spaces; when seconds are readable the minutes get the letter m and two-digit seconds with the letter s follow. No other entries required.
3h38
